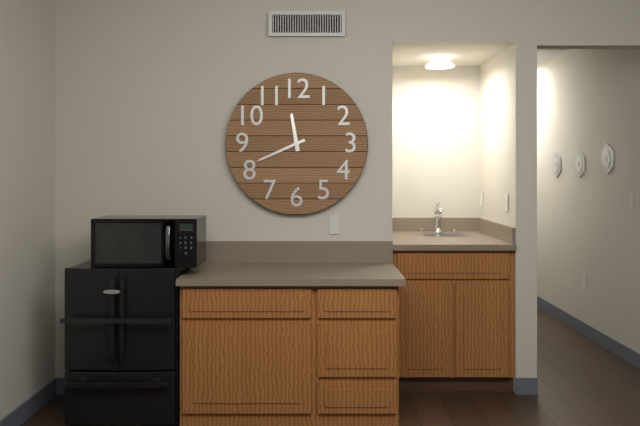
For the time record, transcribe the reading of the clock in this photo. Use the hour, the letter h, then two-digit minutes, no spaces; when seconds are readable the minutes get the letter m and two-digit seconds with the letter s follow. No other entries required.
11h41
